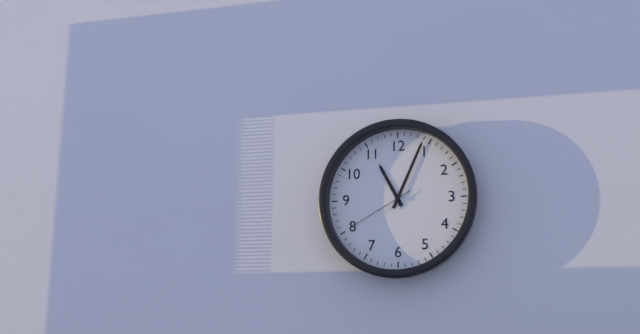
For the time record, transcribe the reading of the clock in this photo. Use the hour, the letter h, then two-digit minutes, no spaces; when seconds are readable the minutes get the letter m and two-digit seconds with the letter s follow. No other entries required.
11h04m40s
